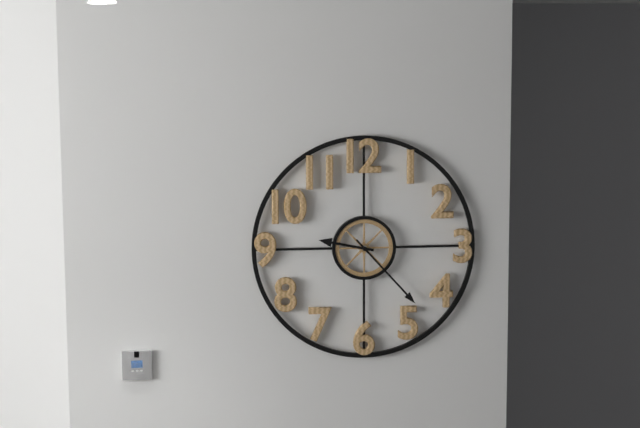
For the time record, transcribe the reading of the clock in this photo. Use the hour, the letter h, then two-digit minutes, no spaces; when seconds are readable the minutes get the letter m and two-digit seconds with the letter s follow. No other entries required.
9h23
